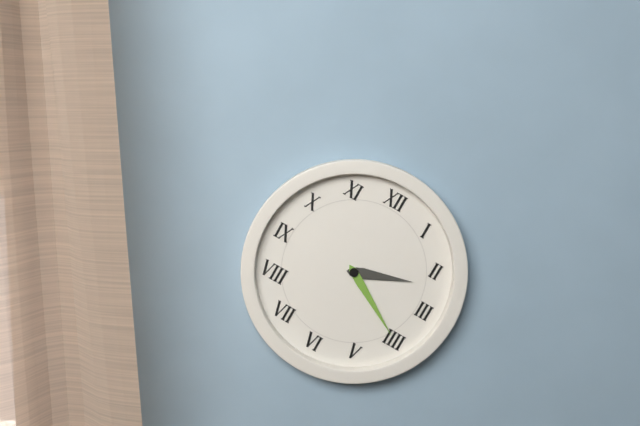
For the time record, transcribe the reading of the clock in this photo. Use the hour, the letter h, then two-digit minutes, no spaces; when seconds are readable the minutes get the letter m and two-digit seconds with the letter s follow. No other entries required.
2h20
